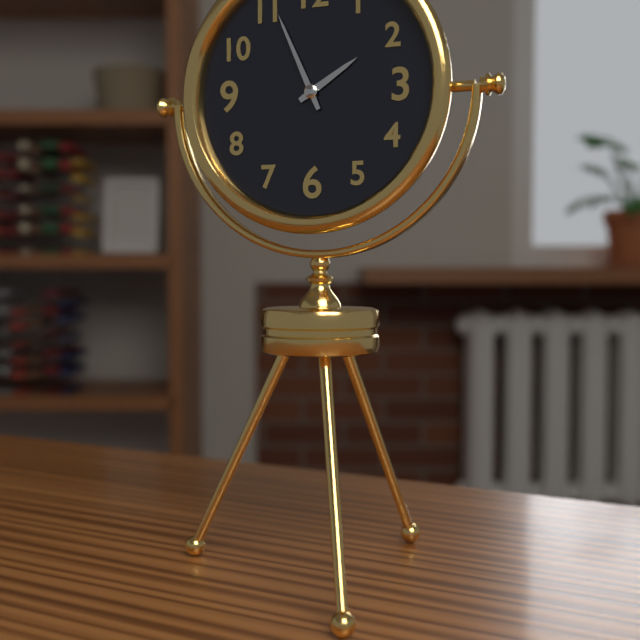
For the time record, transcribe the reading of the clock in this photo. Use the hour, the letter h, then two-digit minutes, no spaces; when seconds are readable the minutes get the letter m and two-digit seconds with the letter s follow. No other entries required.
1h56
